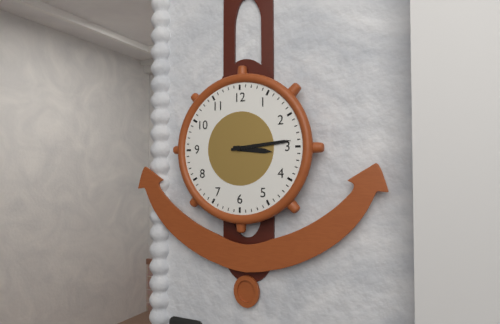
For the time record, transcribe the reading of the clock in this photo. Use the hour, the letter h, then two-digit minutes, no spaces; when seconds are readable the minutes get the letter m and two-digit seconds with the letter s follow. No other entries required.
3h14
